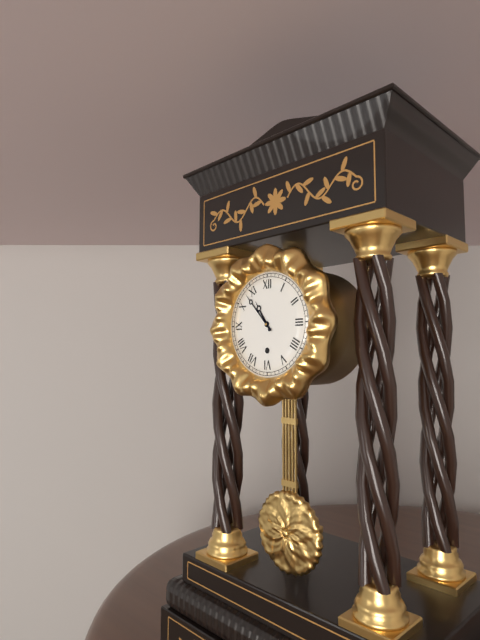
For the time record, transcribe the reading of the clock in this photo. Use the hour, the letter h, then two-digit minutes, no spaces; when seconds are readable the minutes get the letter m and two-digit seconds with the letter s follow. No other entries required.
10h53
